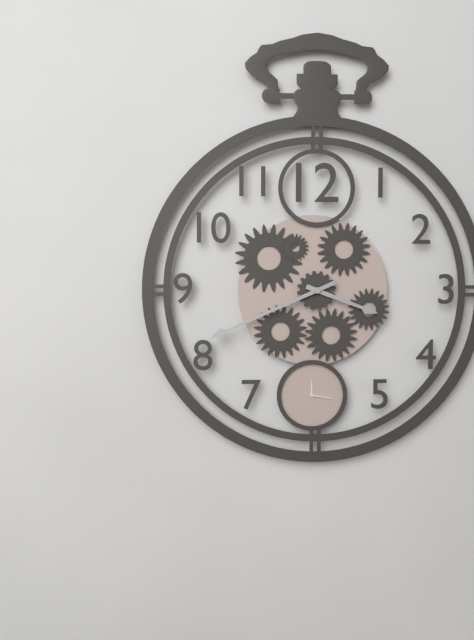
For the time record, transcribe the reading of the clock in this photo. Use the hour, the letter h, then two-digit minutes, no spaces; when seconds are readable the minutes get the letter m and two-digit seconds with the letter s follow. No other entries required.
3h41
